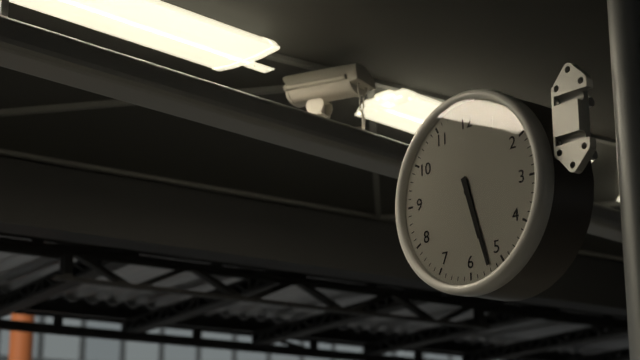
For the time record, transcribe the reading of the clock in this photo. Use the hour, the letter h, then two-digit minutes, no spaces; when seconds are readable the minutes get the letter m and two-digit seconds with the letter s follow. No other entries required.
5h27
